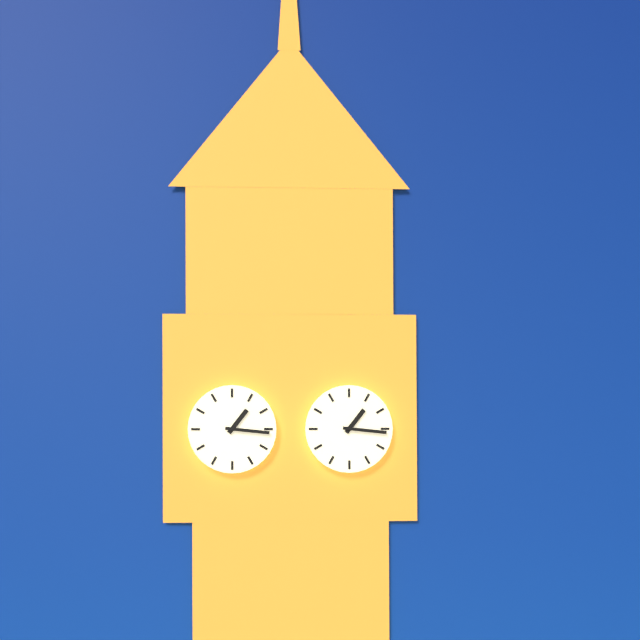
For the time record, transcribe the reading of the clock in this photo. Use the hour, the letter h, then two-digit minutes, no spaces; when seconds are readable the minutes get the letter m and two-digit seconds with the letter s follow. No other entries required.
1h16
